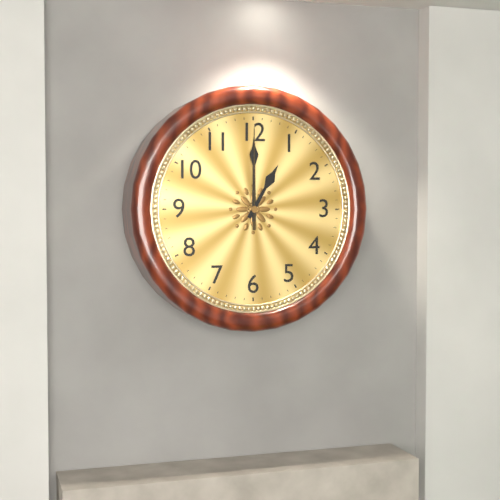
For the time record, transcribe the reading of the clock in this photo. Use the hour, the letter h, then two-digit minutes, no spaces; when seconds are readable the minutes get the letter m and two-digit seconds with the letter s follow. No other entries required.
1h00m00s
